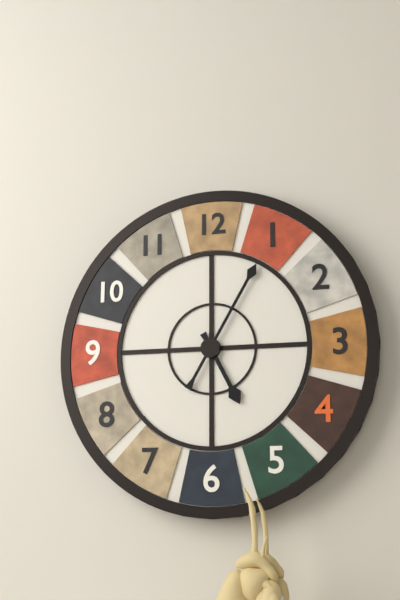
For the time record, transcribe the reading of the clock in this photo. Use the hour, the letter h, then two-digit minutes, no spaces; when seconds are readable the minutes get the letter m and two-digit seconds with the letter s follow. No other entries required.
5h05
